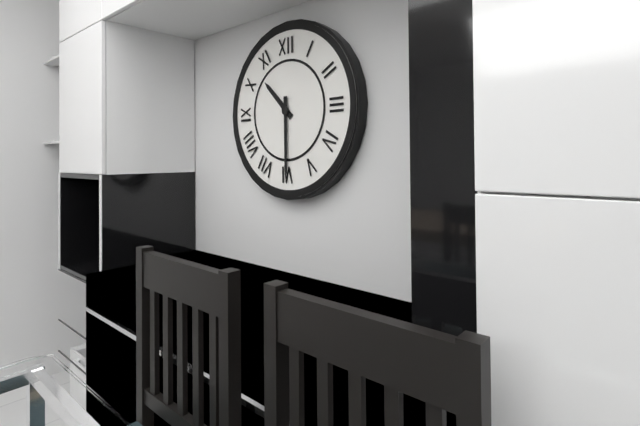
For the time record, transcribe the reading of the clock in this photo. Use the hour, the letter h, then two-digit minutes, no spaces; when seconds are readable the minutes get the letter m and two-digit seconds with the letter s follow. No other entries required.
10h30
